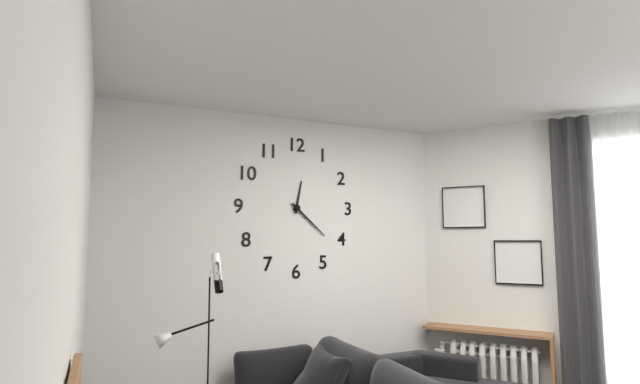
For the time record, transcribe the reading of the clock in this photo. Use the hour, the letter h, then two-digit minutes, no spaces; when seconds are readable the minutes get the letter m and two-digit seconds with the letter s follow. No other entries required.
12h22
